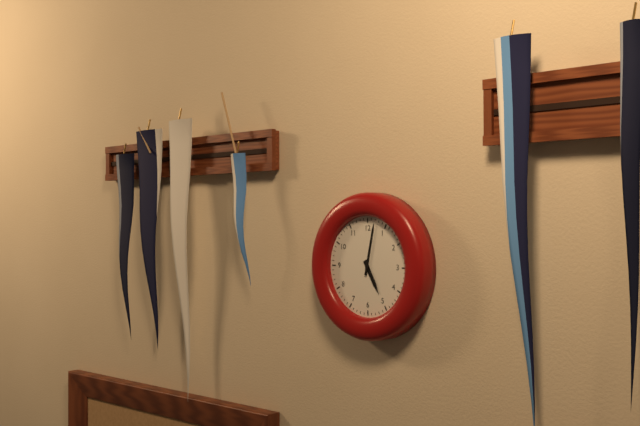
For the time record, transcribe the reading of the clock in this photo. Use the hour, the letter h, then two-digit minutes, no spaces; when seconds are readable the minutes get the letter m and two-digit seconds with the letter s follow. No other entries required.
5h02
